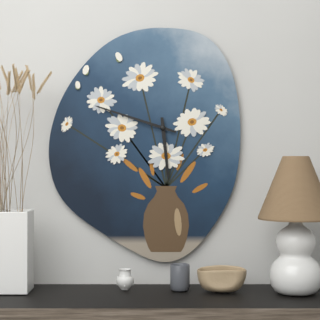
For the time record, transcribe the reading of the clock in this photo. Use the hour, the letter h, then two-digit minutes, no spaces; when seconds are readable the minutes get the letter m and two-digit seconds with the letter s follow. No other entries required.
5h48
